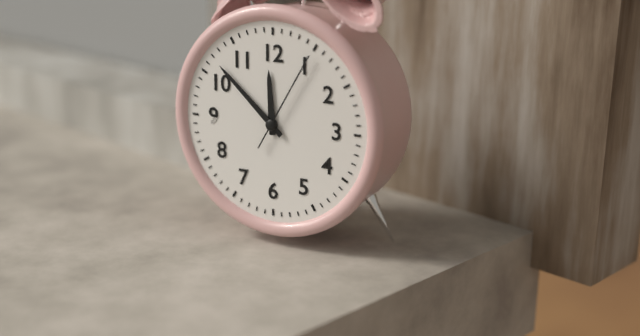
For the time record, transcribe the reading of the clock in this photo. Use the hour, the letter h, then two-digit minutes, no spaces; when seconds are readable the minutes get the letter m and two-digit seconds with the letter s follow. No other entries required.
11h52m05s
